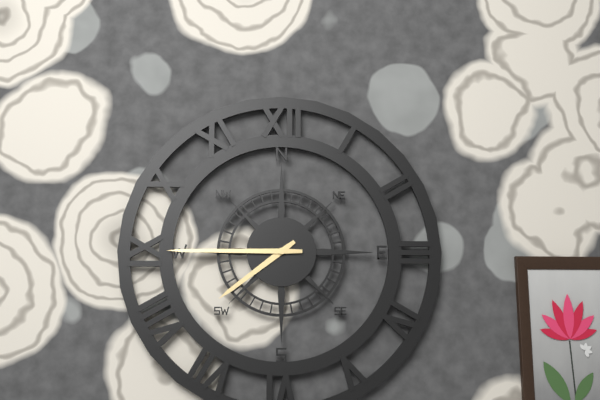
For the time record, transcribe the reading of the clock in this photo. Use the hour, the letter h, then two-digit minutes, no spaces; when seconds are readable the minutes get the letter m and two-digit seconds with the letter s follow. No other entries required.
7h45
